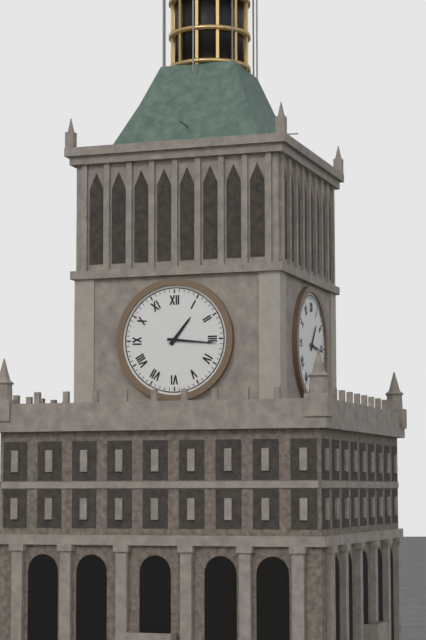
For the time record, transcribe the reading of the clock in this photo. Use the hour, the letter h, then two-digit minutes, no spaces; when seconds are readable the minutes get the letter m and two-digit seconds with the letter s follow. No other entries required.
1h16
